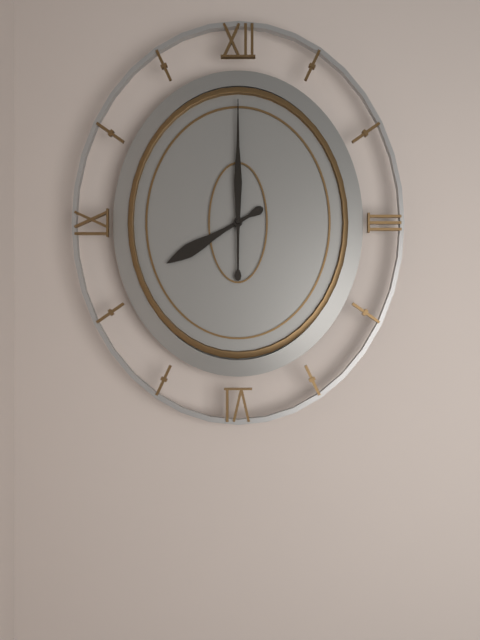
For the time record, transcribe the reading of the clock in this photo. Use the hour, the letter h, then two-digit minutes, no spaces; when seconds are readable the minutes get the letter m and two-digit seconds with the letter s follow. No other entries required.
8h00
